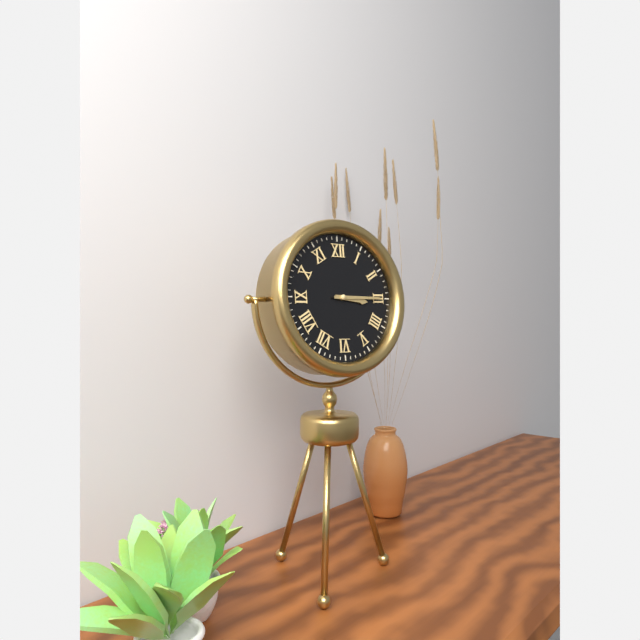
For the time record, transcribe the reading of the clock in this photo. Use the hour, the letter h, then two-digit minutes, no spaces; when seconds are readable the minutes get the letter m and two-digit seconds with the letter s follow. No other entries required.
3h15
